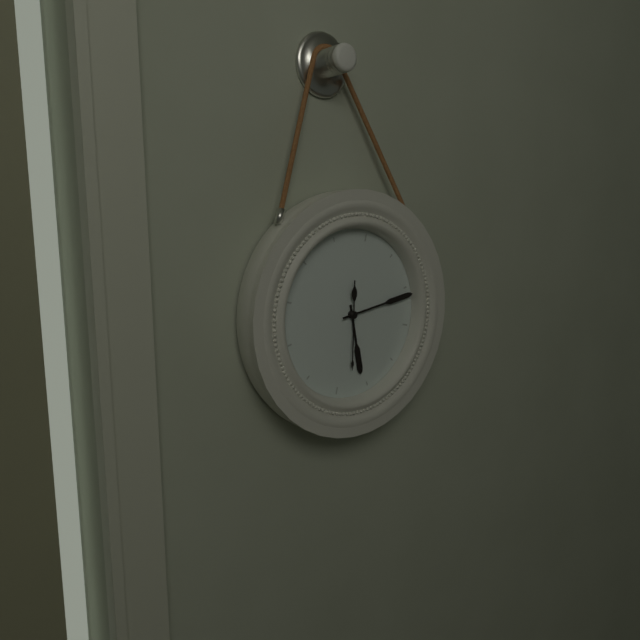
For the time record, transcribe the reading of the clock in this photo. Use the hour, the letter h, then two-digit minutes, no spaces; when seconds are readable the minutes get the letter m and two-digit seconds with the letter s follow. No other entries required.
5h11m28s
